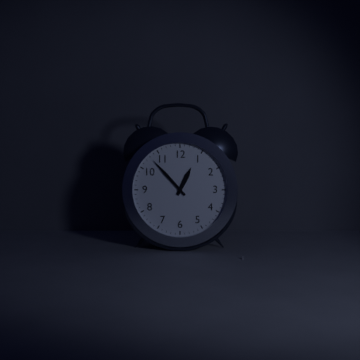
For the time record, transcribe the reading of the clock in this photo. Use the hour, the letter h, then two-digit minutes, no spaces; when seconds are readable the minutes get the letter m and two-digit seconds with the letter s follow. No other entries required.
12h53
